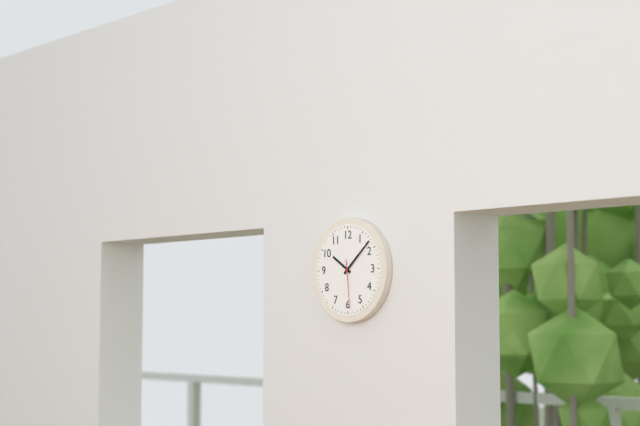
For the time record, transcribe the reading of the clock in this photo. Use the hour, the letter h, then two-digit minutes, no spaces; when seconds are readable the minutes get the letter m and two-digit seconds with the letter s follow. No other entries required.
10h08
